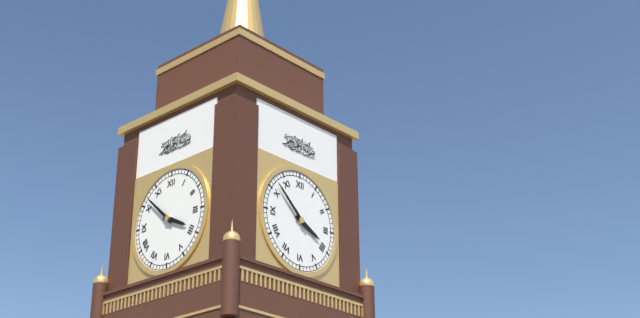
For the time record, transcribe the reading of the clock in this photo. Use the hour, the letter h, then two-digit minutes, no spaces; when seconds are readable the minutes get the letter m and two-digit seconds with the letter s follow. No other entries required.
3h52
